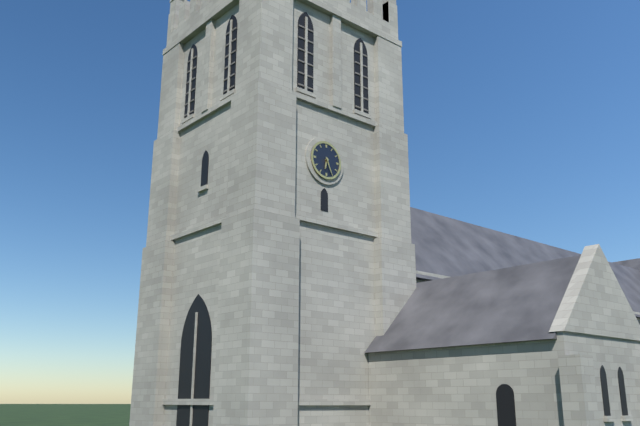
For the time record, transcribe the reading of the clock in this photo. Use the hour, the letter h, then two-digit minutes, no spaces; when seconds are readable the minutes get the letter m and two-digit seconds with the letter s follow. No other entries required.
6h26
